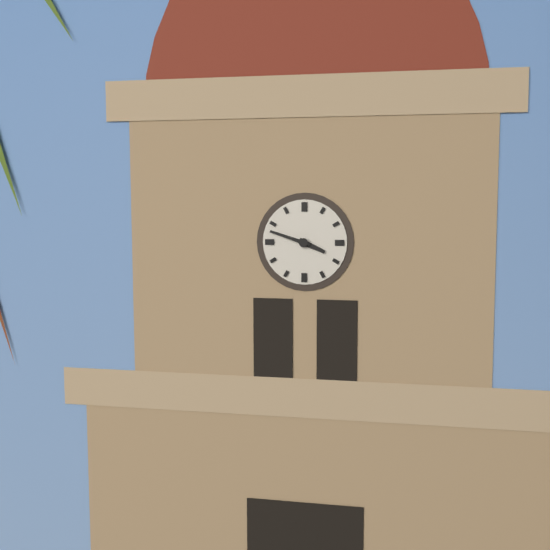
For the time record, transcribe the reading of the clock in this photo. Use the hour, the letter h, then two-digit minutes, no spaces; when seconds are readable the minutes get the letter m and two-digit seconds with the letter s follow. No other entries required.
3h48
